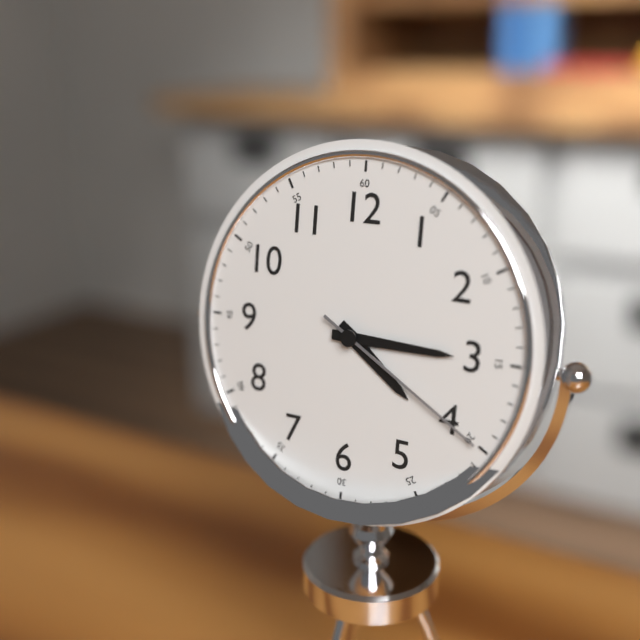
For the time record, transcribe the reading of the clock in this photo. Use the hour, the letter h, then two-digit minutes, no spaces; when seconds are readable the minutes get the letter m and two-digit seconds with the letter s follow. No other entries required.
4h15m20s
